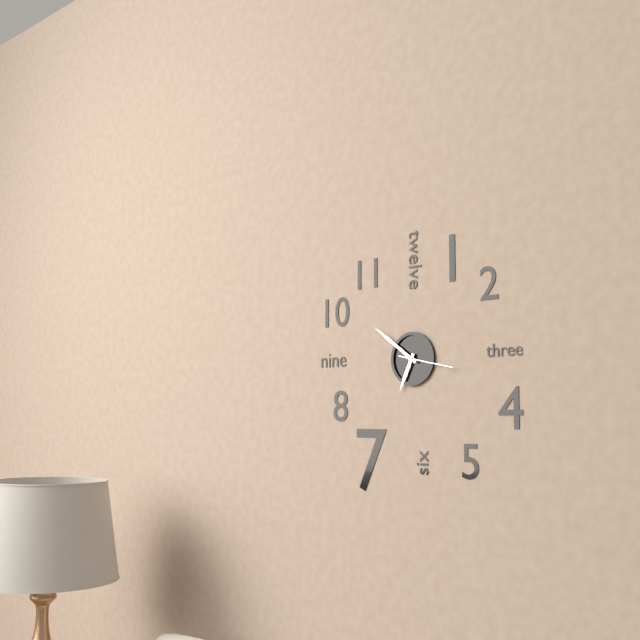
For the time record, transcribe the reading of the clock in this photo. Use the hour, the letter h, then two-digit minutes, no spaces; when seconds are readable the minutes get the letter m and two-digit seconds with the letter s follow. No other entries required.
6h51m17s
